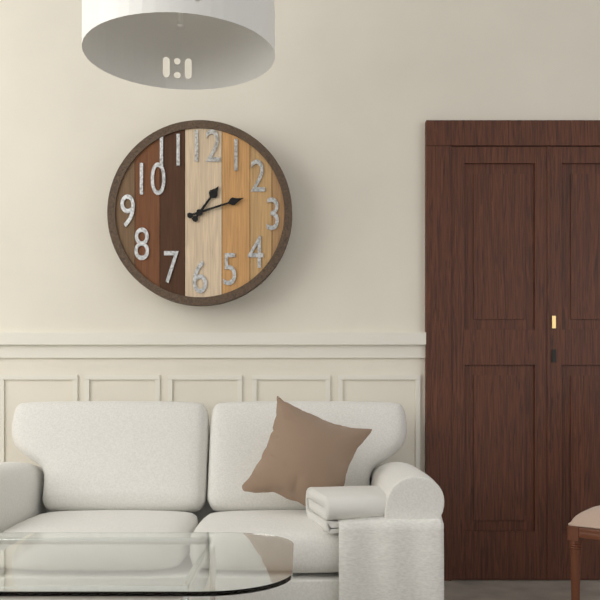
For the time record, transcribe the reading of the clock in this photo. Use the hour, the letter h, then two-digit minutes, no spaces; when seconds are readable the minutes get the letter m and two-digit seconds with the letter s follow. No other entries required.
1h12
